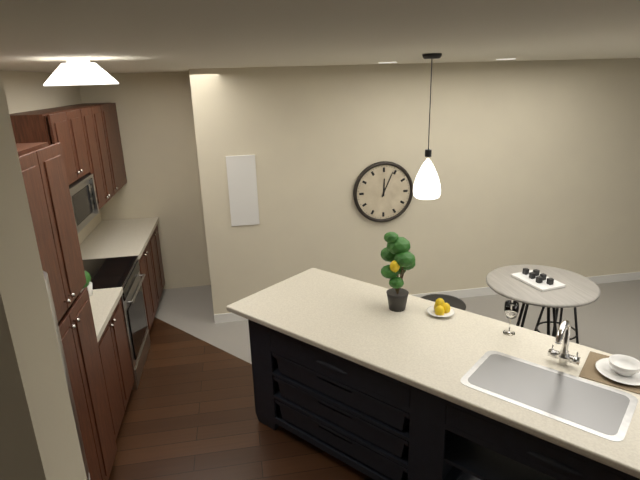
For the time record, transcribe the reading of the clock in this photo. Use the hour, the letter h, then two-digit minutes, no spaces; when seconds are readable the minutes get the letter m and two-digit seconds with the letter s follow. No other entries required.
12h04
